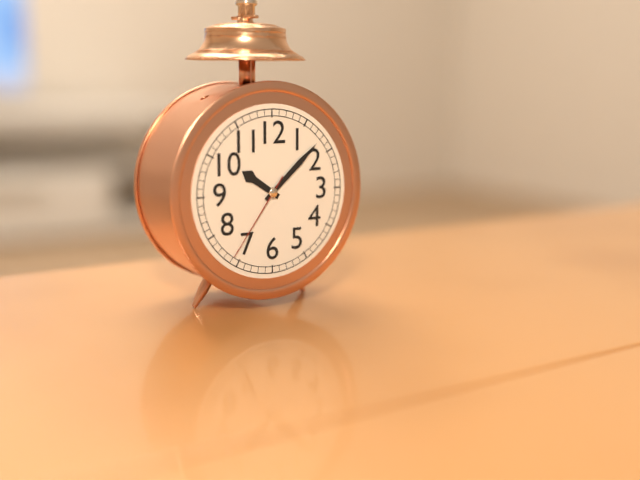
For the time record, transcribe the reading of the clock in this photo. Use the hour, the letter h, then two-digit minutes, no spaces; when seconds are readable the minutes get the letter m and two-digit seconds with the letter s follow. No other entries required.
10h08m36s
